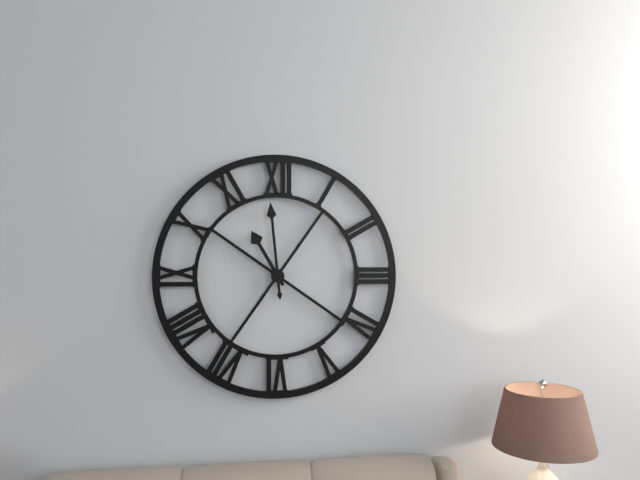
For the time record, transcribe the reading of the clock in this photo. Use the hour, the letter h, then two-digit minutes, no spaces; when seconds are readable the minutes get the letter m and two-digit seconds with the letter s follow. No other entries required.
10h59
